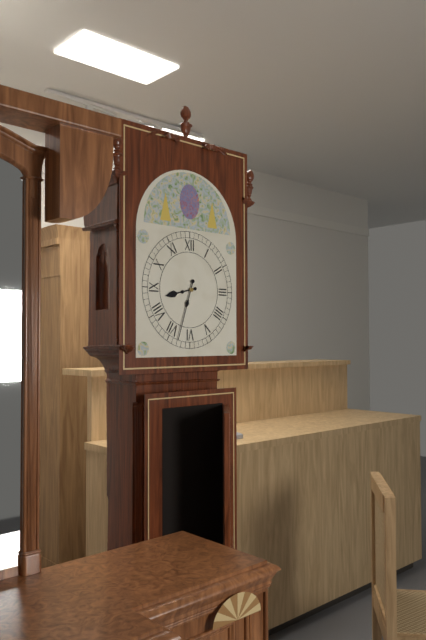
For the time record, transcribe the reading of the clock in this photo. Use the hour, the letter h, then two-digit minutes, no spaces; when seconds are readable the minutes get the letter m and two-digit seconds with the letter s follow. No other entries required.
8h33
